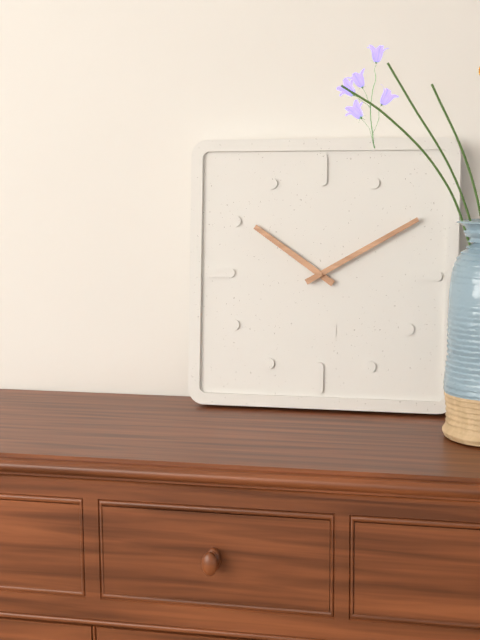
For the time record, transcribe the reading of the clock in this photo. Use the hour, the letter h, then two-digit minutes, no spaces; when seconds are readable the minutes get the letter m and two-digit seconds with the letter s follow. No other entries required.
10h10
